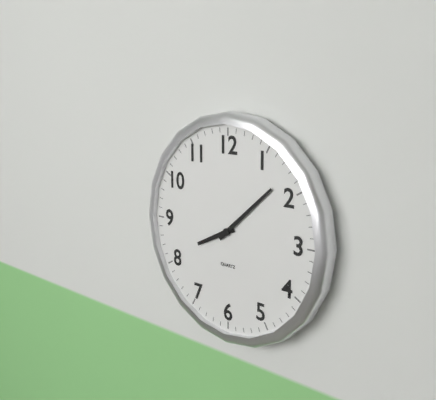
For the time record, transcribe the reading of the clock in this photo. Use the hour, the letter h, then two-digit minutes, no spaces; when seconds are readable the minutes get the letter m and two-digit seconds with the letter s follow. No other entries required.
8h08
